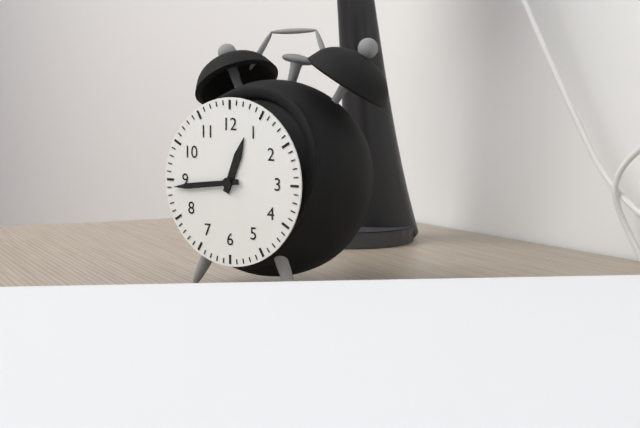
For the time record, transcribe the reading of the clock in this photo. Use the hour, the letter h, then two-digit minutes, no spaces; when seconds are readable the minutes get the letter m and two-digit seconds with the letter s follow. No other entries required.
12h44
